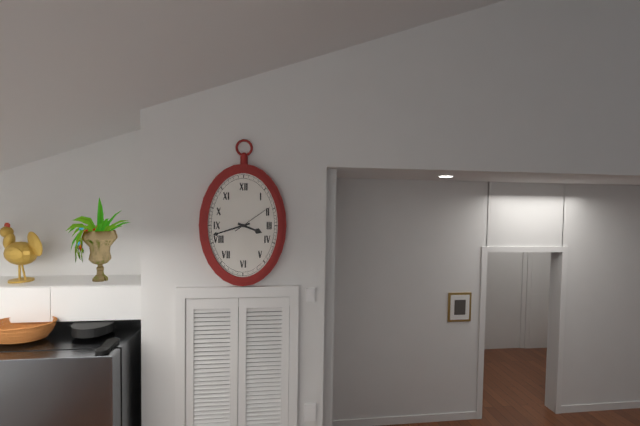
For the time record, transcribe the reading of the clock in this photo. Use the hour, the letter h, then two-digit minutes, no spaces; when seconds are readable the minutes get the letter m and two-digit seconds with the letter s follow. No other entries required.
3h42
